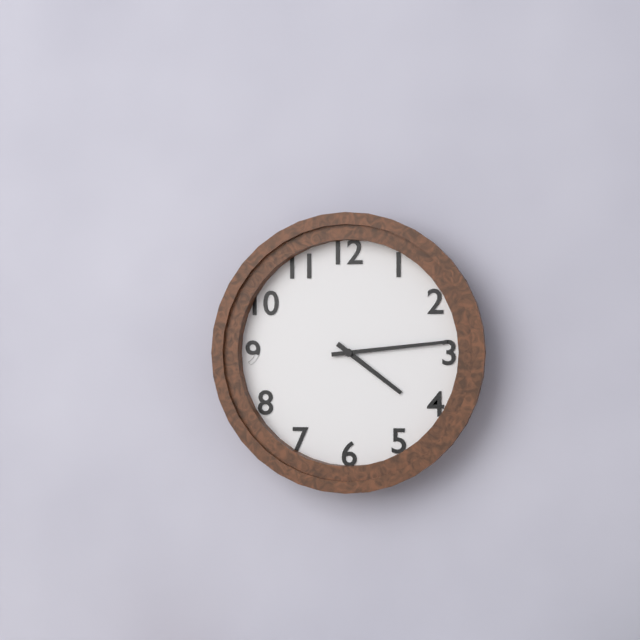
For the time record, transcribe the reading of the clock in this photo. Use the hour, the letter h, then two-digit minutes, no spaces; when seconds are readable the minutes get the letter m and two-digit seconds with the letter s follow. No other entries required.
4h14
